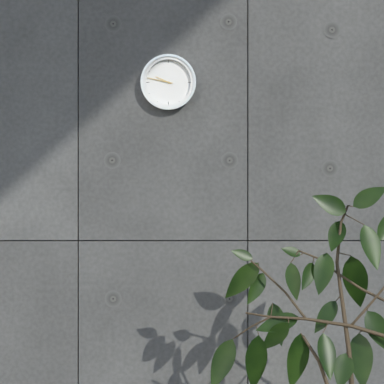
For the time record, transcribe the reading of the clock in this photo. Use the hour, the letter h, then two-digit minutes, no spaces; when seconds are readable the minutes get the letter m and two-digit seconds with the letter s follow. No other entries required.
9h47
